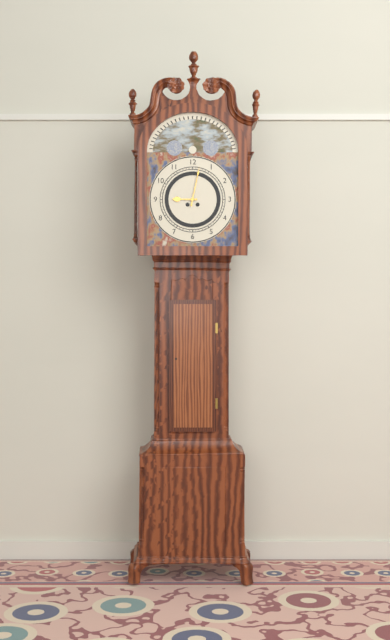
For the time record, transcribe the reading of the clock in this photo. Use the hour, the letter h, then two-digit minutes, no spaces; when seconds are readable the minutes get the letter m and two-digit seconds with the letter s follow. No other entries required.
9h02
